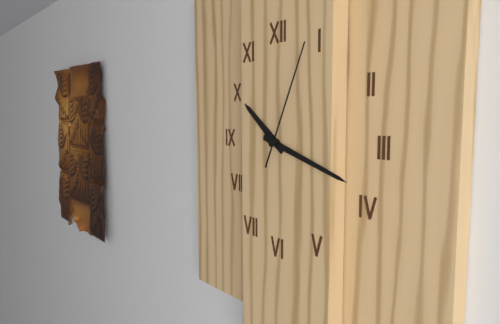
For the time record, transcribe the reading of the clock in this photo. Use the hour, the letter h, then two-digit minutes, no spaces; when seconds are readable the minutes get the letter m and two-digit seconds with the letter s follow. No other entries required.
10h18m04s
